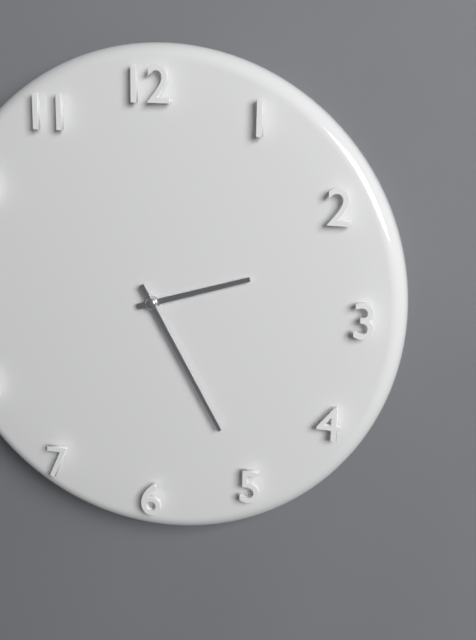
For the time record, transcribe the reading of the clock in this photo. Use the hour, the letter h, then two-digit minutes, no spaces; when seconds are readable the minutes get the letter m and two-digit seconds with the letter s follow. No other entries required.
2h25
